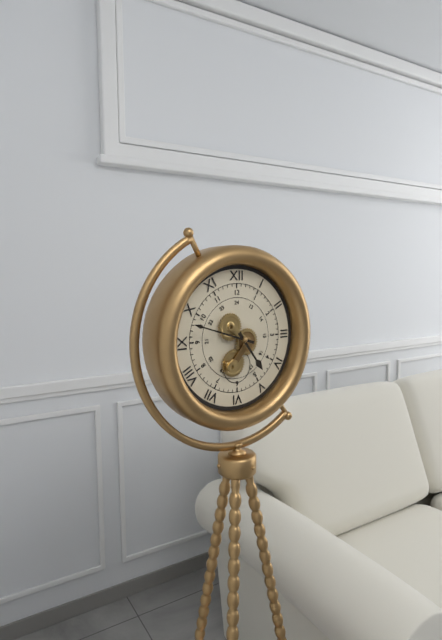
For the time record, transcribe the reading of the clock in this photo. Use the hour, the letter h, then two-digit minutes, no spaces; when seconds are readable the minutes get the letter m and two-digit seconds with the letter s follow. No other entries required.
4h48
